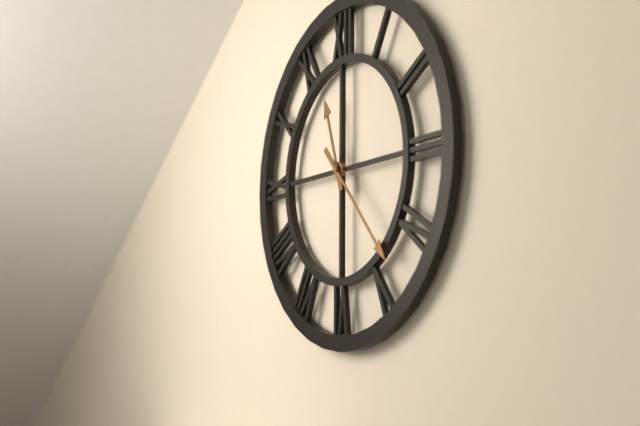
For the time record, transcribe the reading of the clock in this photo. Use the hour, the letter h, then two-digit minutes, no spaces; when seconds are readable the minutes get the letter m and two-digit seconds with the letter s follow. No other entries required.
11h23
